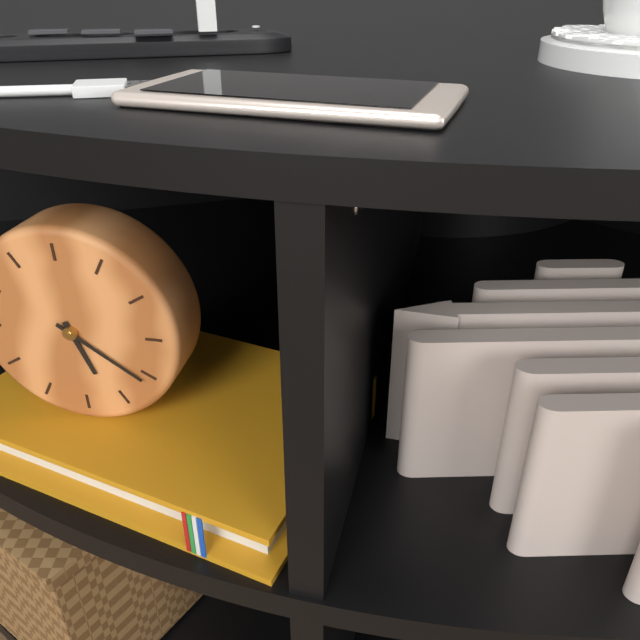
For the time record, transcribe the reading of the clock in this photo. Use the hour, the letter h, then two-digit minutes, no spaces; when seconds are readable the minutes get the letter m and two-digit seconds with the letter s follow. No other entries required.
5h21
